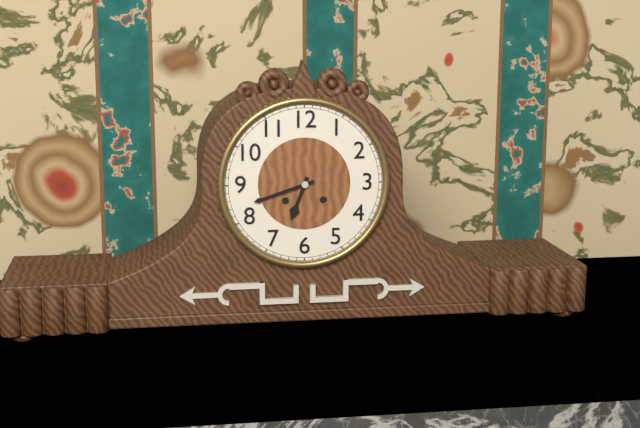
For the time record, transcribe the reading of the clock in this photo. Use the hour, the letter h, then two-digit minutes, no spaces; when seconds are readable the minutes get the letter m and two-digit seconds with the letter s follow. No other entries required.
6h42
